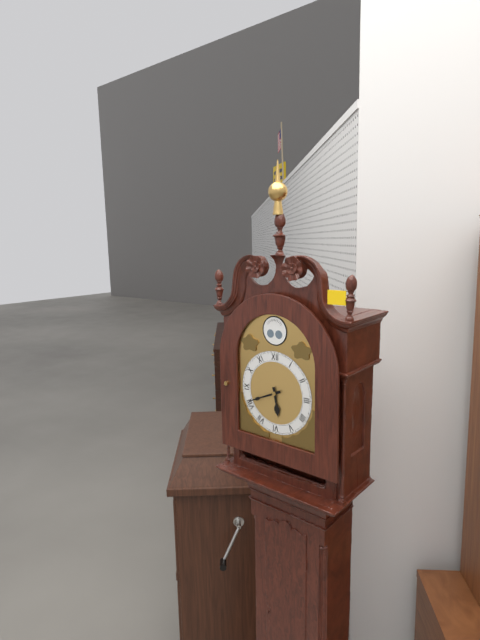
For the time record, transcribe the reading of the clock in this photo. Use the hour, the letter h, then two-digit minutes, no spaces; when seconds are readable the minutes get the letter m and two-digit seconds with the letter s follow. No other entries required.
5h41
